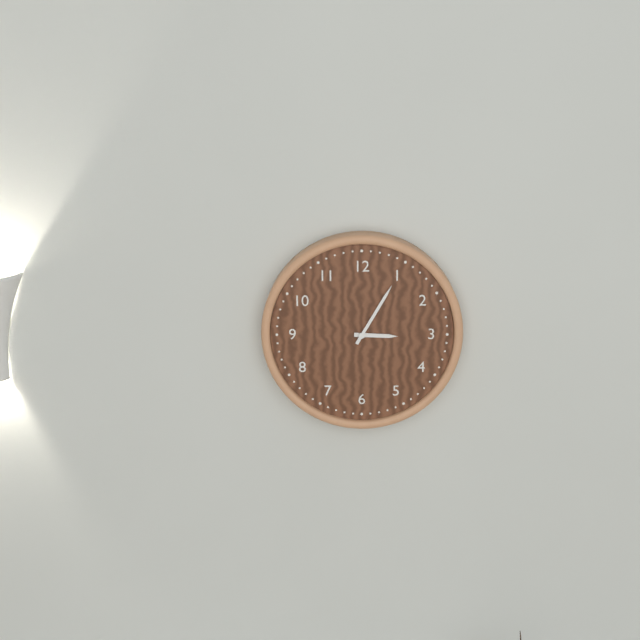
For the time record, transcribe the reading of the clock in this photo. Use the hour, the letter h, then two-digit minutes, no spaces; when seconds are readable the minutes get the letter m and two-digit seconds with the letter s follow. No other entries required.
3h05
